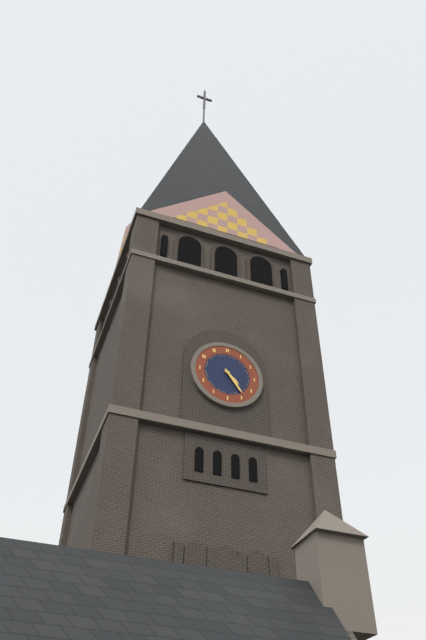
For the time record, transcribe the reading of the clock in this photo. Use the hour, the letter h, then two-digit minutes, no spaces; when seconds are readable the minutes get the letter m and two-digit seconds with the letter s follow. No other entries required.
4h24
